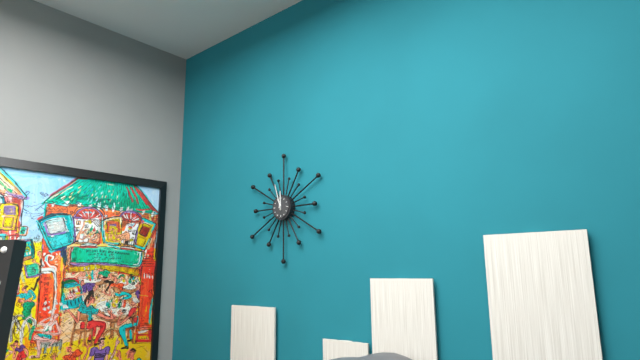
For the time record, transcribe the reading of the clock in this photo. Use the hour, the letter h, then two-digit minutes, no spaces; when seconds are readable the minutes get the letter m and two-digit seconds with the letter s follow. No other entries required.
11h57
